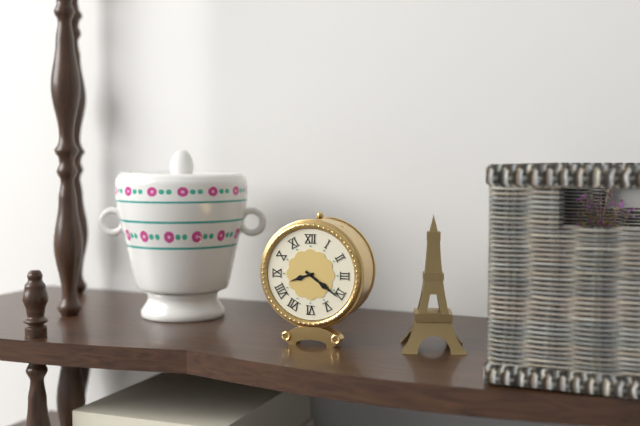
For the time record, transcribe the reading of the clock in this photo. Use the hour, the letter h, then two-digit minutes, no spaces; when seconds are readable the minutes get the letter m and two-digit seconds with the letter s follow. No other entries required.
8h21
